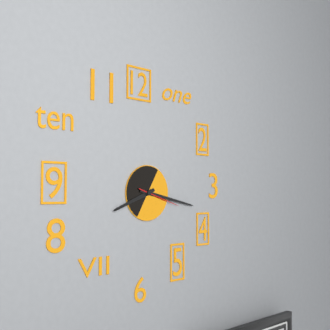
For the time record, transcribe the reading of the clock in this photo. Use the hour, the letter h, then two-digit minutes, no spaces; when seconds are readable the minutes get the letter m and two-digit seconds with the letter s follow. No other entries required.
8h17
